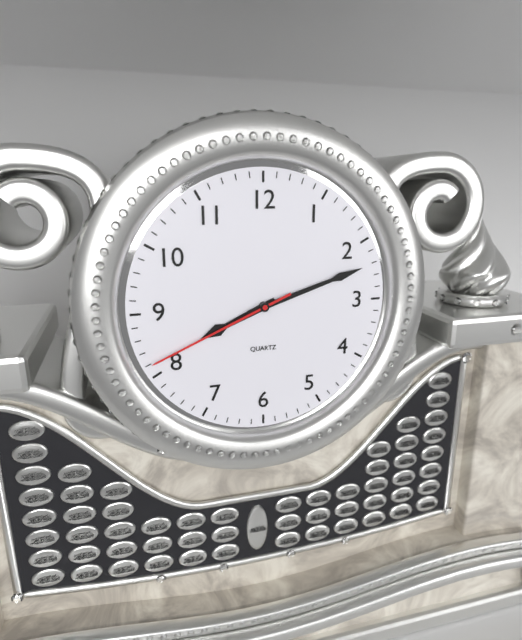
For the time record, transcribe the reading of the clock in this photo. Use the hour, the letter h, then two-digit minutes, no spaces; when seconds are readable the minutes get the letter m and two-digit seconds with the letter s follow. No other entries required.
8h12m41s
